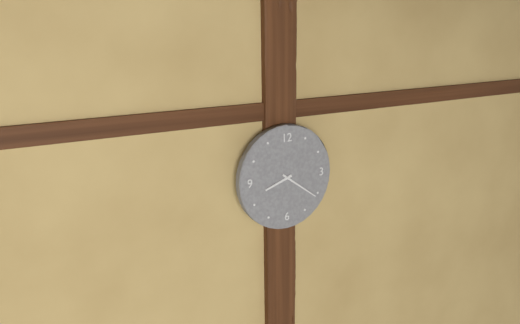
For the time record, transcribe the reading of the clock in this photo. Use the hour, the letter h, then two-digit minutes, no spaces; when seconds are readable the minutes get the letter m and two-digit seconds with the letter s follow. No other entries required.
8h21
